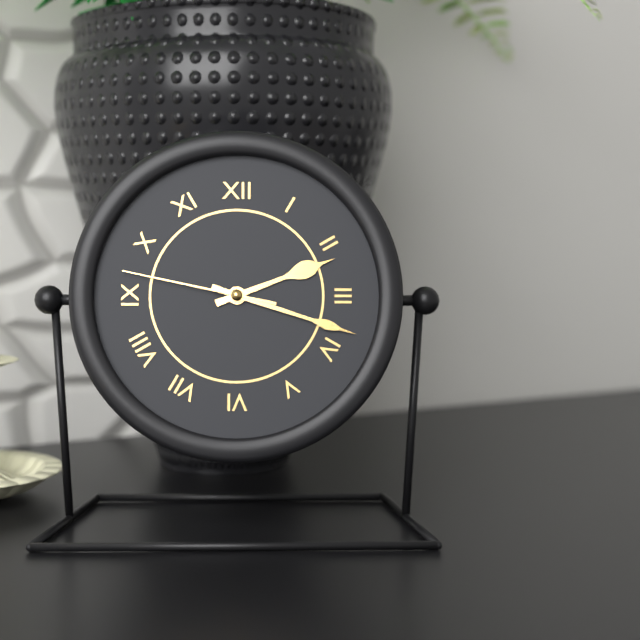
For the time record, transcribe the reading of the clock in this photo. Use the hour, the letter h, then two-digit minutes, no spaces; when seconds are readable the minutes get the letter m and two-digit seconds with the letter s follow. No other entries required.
2h18m47s
